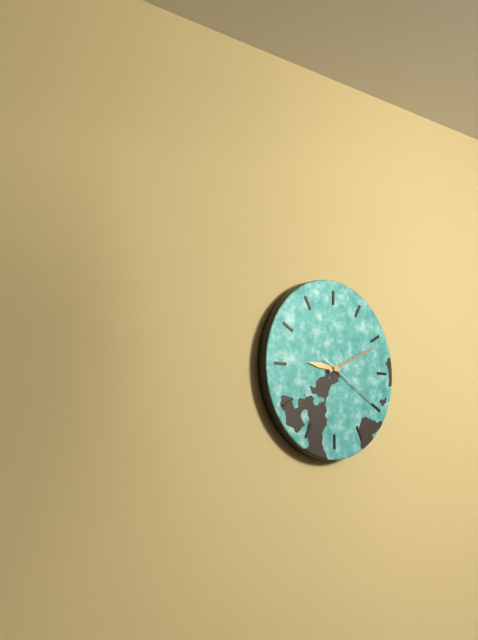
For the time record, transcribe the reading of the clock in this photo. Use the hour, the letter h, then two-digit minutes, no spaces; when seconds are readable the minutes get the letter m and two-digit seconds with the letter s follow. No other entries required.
9h11m20s
